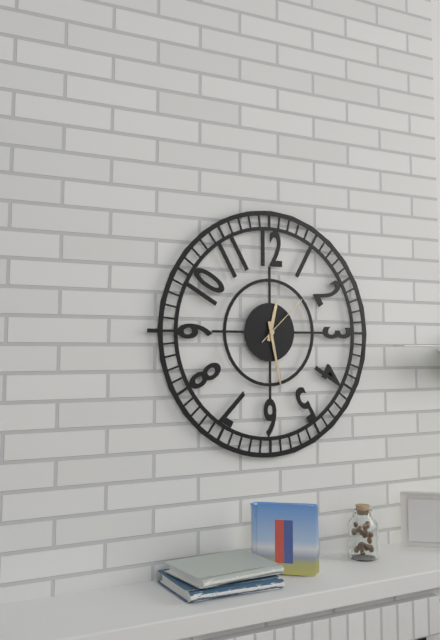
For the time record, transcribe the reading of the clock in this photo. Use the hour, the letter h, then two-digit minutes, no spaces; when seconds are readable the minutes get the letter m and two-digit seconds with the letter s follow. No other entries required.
12h28m08s
